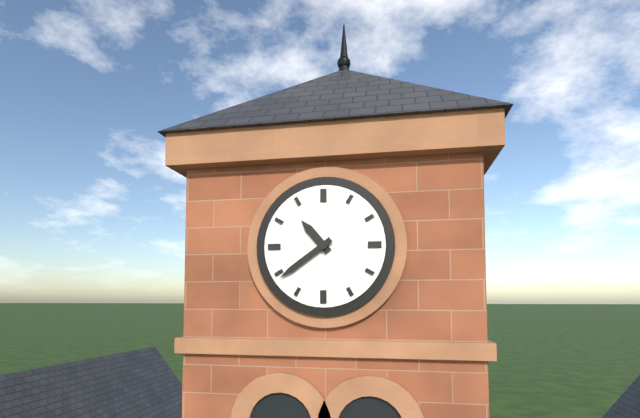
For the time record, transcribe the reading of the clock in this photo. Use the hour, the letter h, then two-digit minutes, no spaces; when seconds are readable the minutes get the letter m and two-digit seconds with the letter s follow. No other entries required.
10h39
